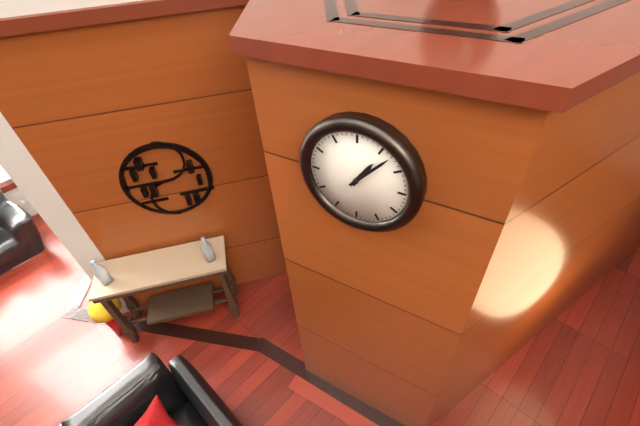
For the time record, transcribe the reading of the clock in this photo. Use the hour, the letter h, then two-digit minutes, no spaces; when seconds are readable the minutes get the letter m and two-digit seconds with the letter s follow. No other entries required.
1h07
